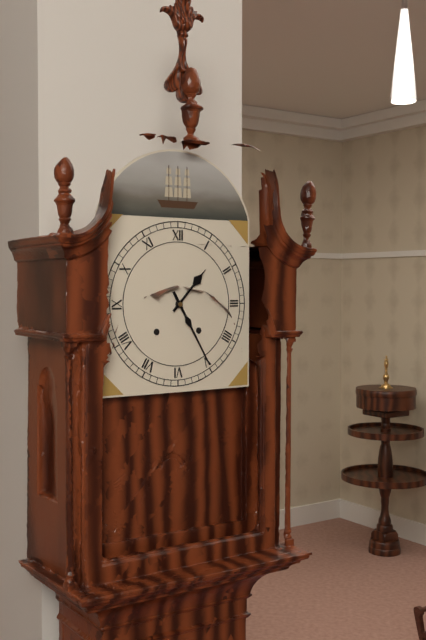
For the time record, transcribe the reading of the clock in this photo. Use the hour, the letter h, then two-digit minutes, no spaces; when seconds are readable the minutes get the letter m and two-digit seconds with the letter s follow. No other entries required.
1h25
